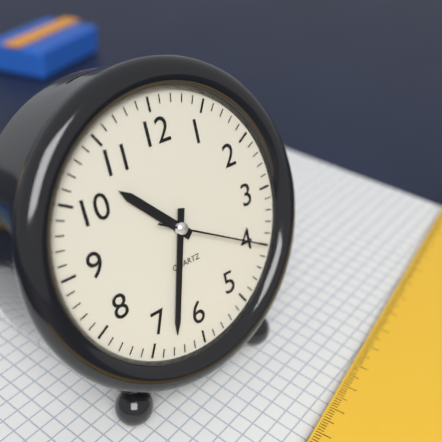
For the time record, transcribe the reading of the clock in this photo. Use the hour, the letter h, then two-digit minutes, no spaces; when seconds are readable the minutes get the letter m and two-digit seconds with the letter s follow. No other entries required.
10h33m20s
